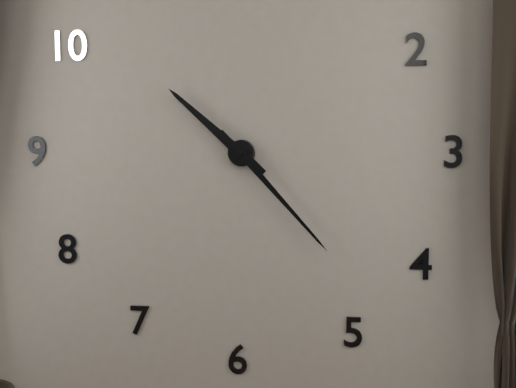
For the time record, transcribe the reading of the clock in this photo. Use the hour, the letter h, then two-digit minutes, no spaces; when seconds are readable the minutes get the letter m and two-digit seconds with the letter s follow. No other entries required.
10h23
